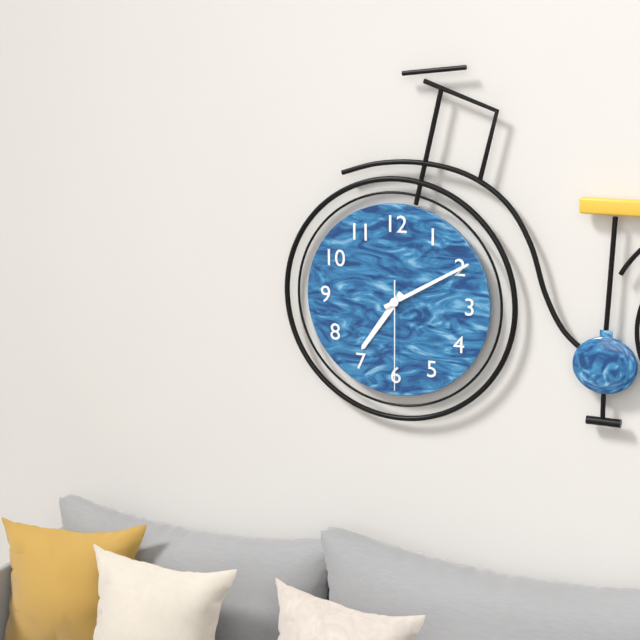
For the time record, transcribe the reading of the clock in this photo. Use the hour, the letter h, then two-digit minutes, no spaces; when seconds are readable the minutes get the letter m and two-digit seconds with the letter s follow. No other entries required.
7h10m30s
